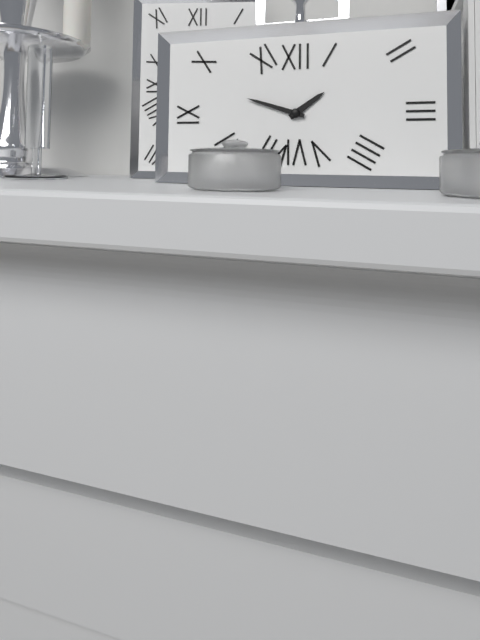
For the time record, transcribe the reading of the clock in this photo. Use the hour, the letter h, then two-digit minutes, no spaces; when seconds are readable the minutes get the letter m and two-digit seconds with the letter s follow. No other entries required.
1h48
